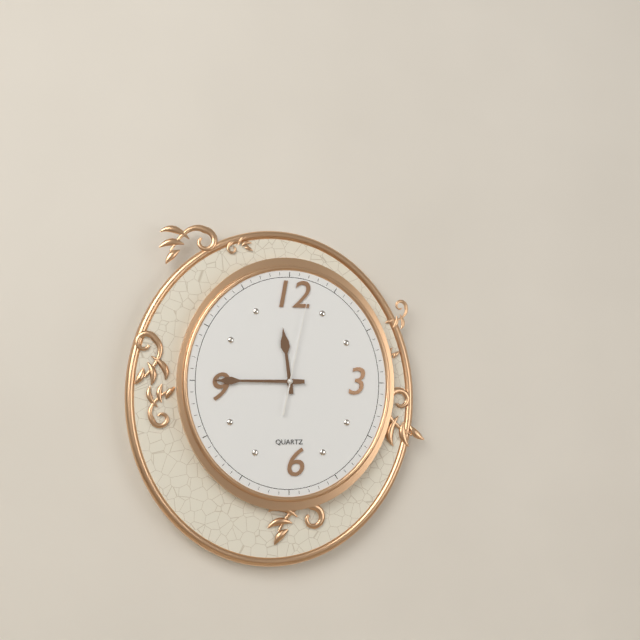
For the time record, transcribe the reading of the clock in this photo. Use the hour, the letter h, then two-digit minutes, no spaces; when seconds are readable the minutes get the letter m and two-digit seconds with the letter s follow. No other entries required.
11h45m02s
